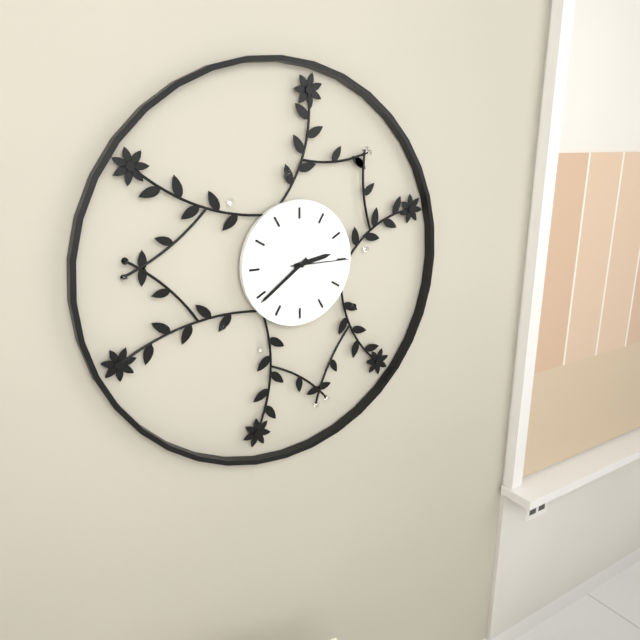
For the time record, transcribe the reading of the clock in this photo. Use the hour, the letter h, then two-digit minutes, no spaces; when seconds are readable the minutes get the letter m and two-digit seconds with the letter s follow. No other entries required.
2h39m15s
